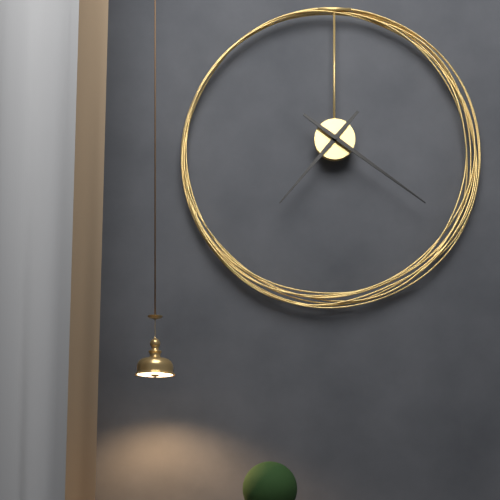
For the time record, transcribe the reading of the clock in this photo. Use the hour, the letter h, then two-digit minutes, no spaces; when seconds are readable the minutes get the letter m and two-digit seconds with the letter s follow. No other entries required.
7h21
